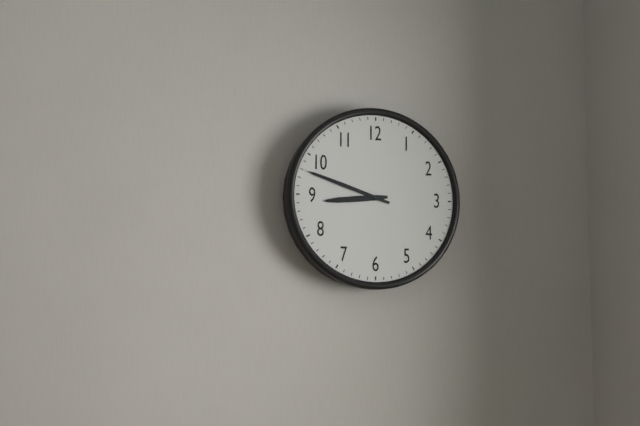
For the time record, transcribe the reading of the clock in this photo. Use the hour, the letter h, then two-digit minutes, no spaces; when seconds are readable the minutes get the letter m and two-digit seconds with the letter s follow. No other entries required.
8h48
